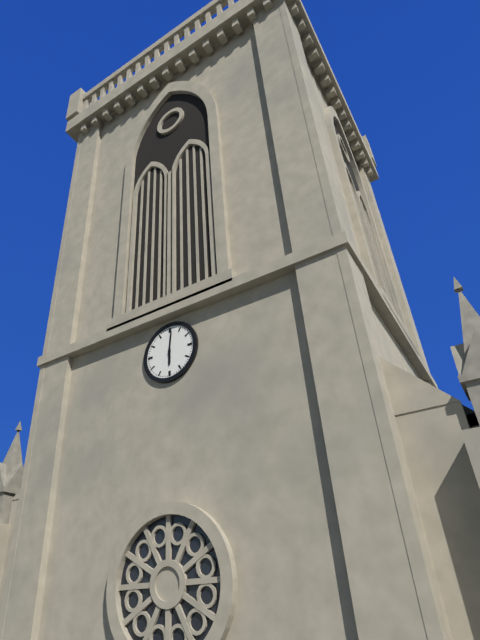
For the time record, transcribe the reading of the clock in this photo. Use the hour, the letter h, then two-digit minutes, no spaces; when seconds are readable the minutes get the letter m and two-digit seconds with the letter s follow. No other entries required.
6h01
